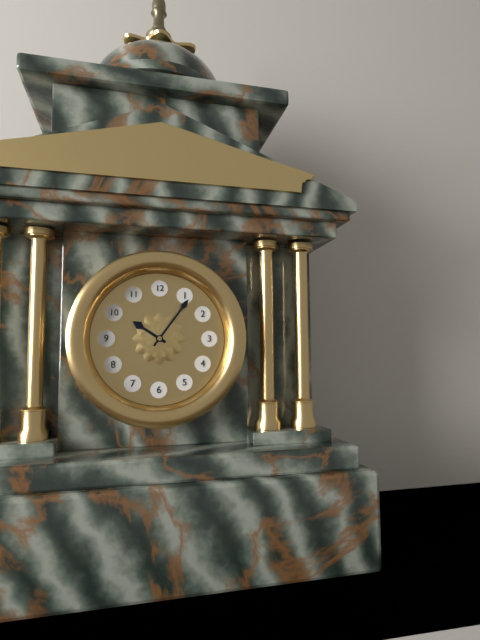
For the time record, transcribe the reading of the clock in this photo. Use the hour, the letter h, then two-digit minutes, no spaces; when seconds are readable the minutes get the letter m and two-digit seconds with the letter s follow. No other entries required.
10h06
